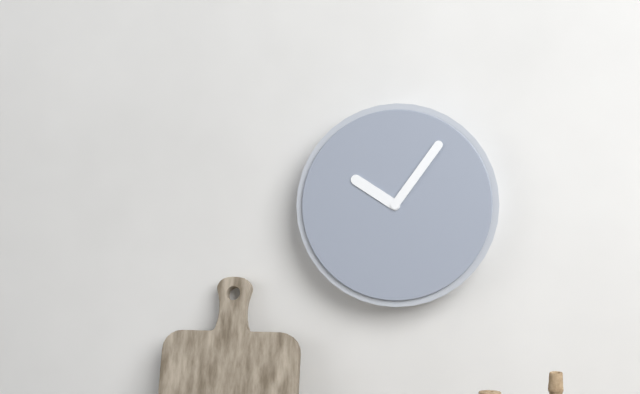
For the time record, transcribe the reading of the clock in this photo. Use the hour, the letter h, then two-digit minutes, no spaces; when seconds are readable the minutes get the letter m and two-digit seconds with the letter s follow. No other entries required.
10h06
